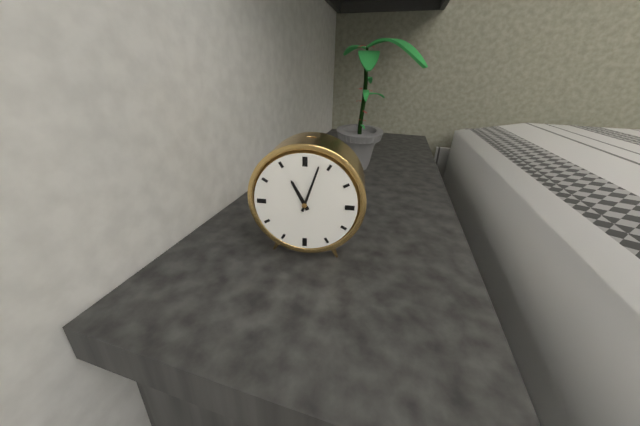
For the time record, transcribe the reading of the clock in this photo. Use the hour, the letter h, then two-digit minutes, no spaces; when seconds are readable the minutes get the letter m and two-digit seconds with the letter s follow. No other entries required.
11h03
